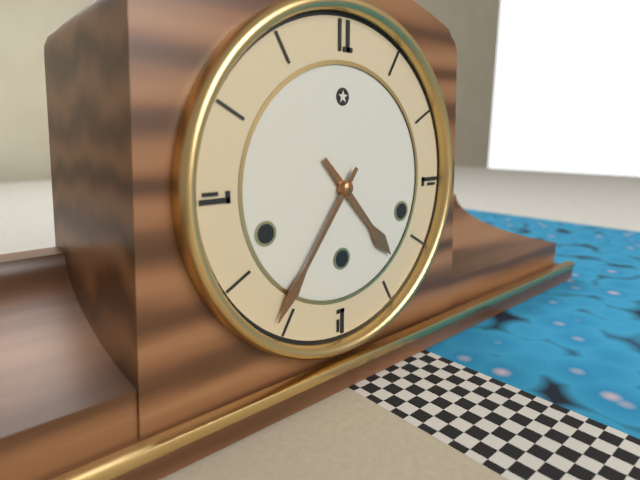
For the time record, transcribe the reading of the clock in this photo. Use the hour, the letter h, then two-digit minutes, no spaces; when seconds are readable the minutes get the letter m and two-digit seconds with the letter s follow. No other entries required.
4h36
